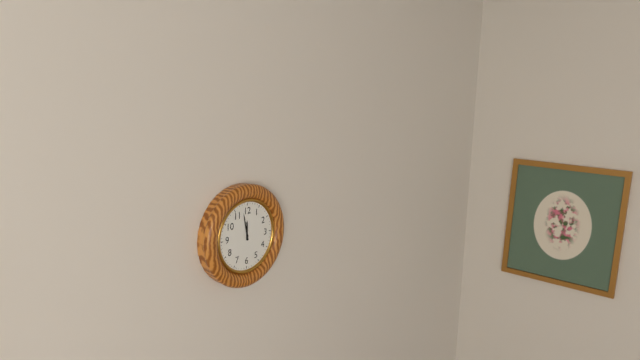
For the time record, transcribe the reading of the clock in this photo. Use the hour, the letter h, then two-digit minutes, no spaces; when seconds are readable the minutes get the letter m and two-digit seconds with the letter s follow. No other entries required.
11h58
